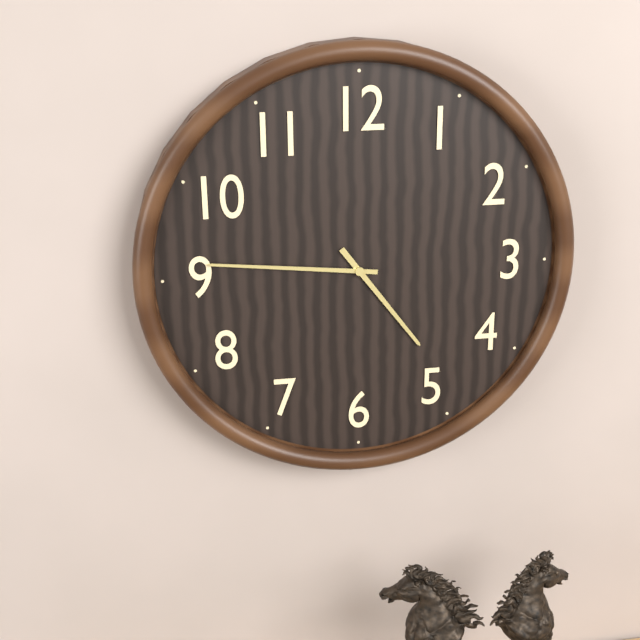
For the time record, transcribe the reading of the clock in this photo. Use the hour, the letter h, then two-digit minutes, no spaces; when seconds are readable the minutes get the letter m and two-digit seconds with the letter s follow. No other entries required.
4h46
